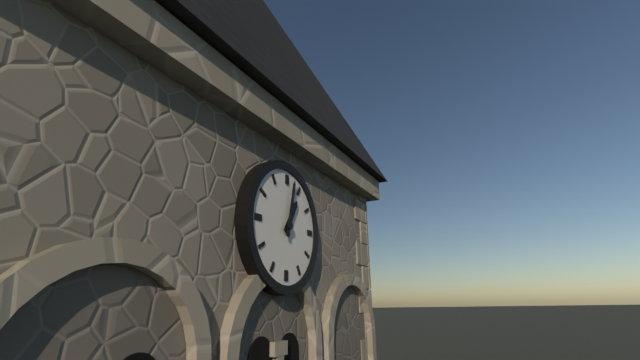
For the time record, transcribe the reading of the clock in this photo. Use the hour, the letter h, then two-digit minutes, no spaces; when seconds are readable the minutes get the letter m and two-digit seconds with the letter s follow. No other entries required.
1h02
